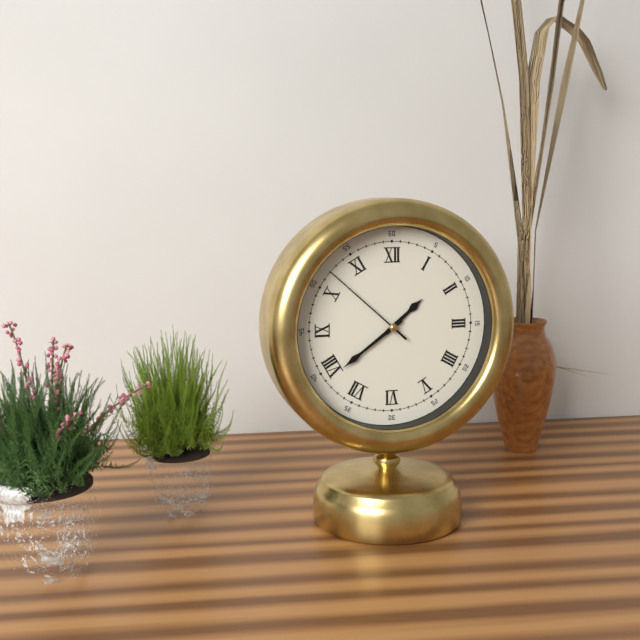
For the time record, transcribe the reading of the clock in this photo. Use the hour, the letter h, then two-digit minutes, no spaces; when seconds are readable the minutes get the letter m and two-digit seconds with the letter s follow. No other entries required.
1h39m52s
